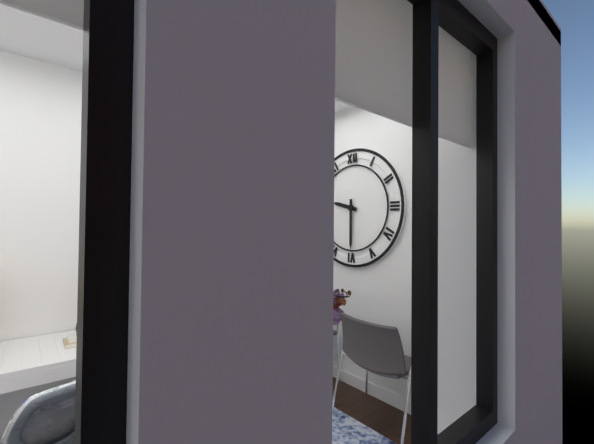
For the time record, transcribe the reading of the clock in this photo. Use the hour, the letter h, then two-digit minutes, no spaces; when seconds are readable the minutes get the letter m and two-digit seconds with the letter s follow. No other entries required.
9h30
